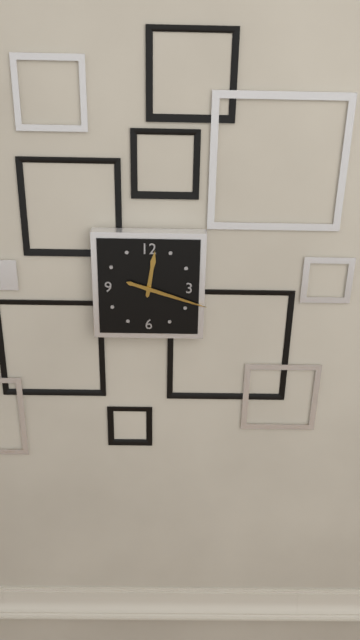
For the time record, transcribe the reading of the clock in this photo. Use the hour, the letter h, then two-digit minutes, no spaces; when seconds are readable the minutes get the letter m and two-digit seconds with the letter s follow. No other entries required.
12h18
